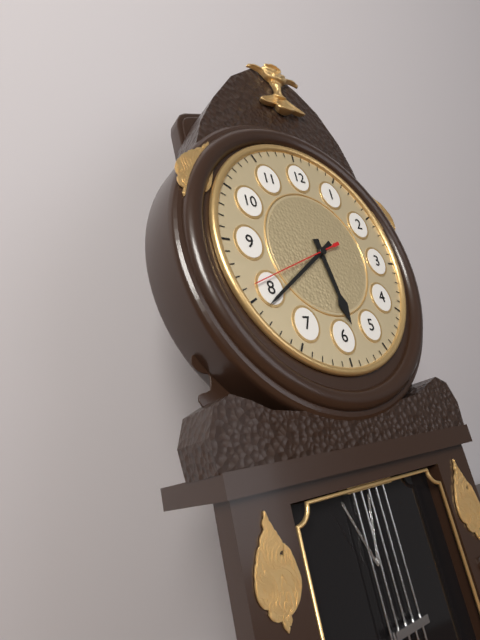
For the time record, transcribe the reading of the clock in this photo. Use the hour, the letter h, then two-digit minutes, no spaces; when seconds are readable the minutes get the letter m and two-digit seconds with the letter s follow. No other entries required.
5h39
